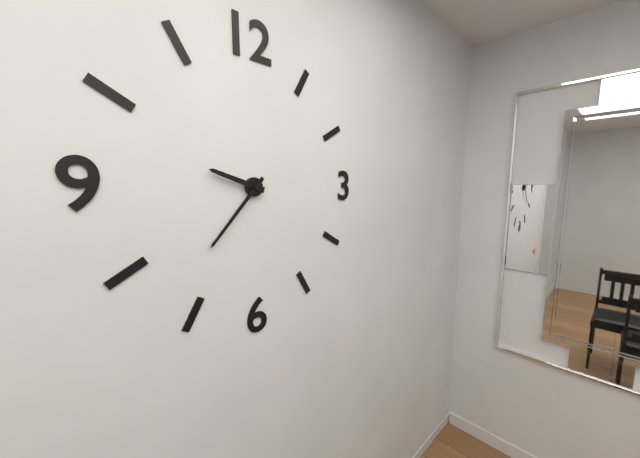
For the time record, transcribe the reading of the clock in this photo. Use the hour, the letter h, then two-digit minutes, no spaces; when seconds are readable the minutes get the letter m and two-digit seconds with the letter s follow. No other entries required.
9h37
